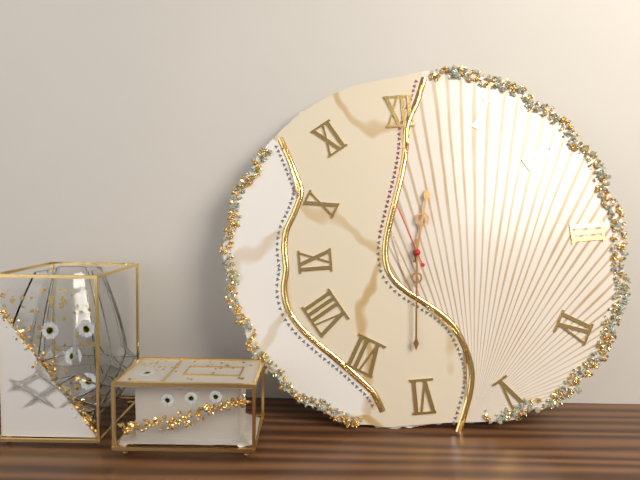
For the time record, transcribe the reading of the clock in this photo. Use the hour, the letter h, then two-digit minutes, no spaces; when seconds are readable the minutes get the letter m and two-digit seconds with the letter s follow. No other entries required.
12h31m57s
